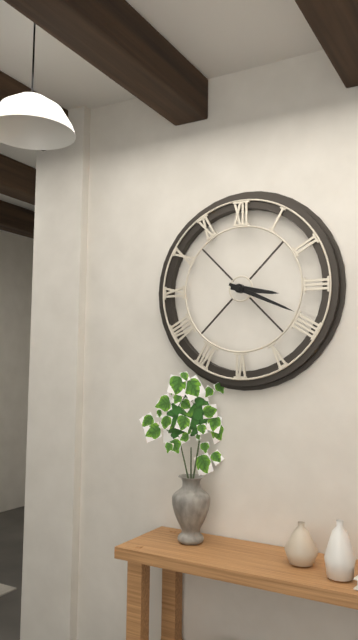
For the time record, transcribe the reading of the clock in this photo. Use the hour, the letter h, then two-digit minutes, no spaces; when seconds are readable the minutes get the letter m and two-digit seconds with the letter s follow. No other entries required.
3h19
